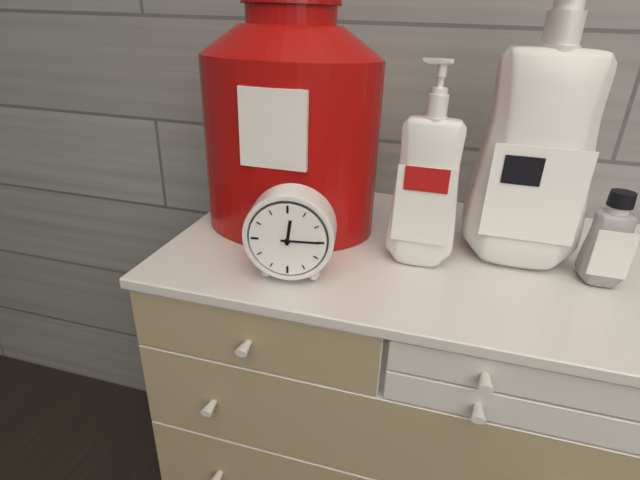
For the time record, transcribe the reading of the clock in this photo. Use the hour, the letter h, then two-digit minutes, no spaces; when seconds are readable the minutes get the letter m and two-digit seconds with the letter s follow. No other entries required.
12h15
